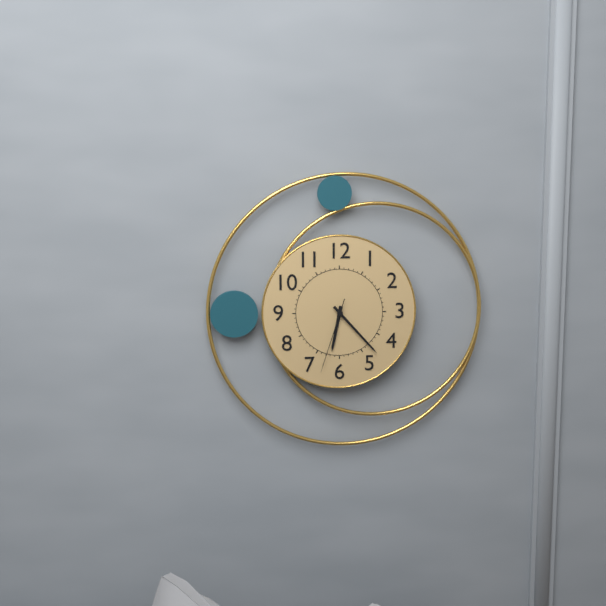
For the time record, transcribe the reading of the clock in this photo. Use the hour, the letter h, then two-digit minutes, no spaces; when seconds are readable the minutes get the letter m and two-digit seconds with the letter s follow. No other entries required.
6h23m33s
